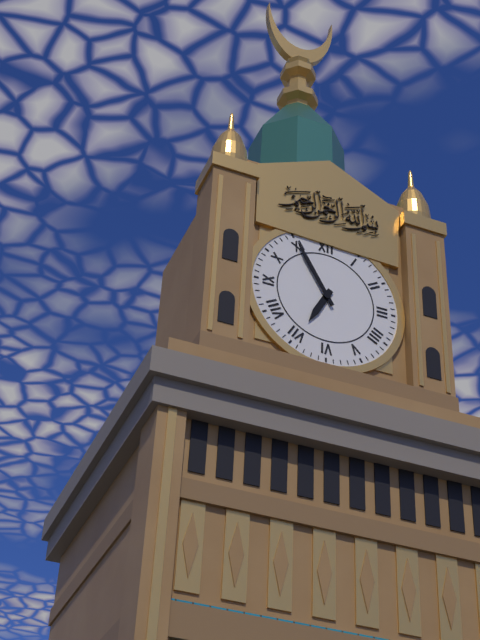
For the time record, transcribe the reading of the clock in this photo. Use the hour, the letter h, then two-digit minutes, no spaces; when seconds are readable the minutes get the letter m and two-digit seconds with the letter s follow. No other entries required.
6h55
